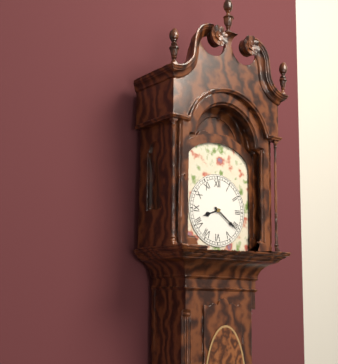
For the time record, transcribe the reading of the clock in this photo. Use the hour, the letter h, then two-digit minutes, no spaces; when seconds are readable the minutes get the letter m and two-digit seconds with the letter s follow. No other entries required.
8h21
